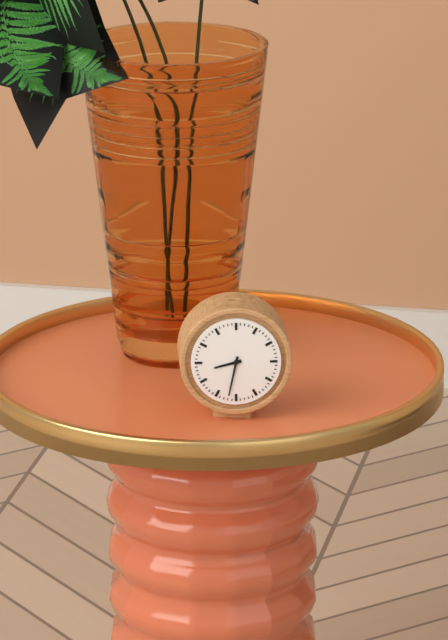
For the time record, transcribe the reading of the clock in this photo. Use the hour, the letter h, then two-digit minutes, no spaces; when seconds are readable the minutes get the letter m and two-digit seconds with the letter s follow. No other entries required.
8h32
